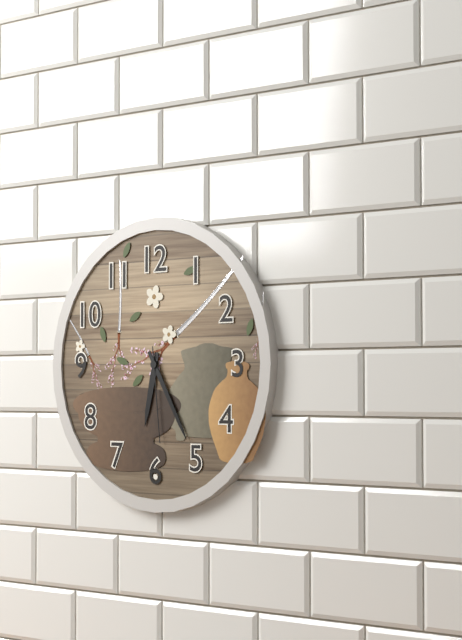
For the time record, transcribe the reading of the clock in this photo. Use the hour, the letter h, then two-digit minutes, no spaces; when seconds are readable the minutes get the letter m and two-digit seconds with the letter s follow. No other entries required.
6h25m29s
